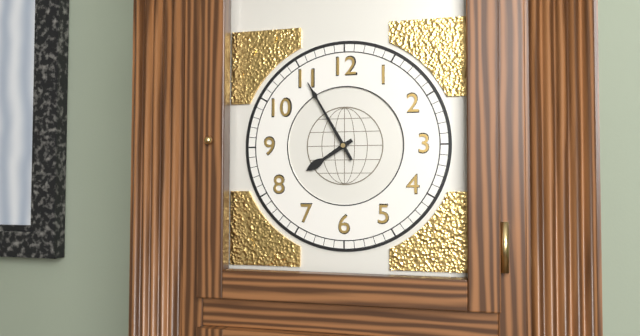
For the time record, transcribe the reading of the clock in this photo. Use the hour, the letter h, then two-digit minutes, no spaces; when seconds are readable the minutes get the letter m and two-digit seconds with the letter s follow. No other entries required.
7h55
